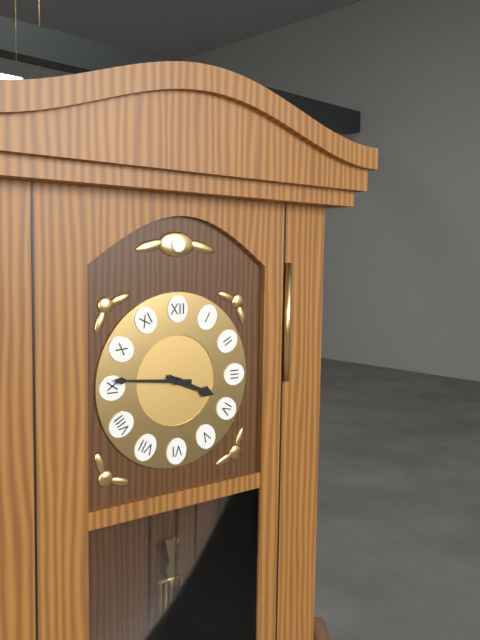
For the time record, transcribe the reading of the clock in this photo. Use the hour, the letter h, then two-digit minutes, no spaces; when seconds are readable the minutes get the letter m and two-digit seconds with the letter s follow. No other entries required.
3h46
